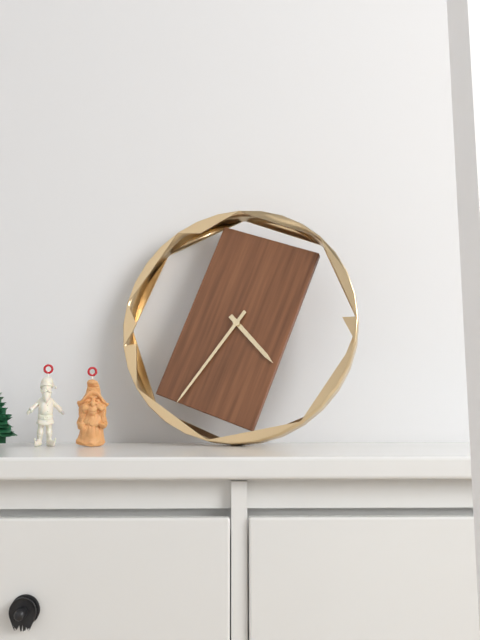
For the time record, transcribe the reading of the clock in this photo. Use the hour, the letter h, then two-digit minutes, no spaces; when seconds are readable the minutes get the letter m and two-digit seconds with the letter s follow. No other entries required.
4h36
